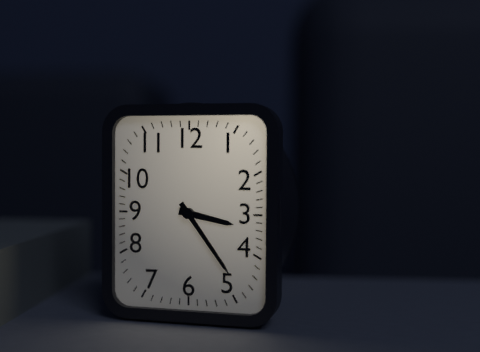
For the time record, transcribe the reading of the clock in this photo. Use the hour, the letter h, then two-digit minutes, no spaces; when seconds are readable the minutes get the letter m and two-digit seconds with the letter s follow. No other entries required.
3h24
